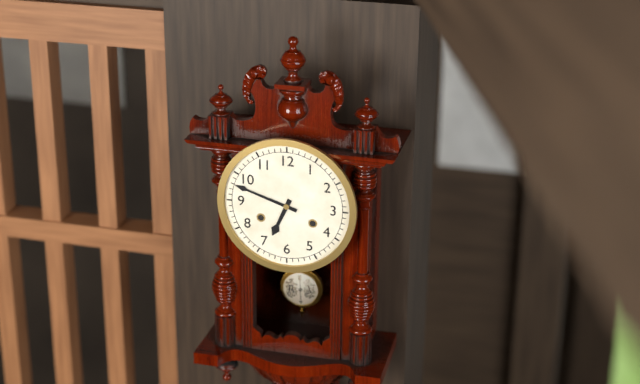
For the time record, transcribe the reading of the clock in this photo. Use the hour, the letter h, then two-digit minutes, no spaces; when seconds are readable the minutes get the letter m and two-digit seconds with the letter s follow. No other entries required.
6h48
